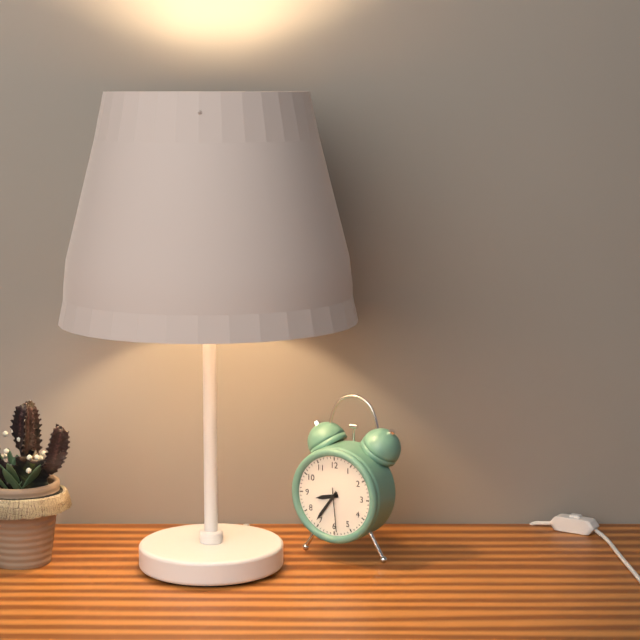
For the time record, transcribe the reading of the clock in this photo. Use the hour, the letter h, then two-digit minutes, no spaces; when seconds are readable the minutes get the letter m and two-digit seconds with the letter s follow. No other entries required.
8h36
